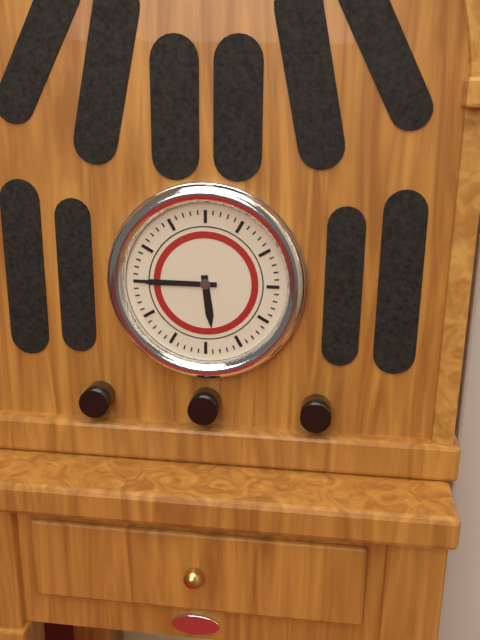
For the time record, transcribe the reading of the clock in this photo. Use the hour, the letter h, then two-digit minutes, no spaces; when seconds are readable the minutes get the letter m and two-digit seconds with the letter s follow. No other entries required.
5h45
